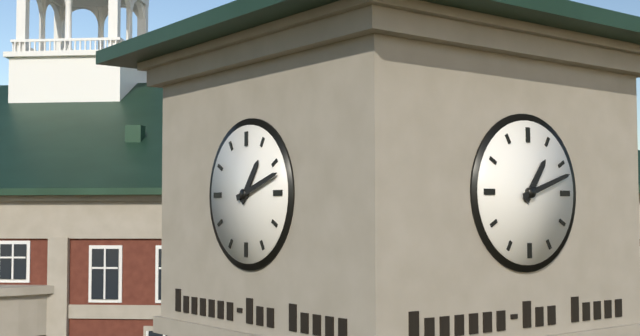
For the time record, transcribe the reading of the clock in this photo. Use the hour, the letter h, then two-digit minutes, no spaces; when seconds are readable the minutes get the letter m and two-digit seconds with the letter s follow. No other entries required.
1h12
